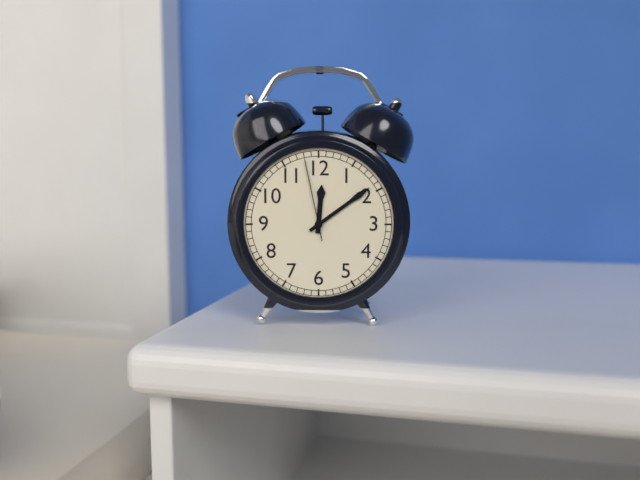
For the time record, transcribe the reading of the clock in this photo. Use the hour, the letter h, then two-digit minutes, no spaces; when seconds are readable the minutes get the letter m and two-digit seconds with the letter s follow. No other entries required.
12h09m58s
